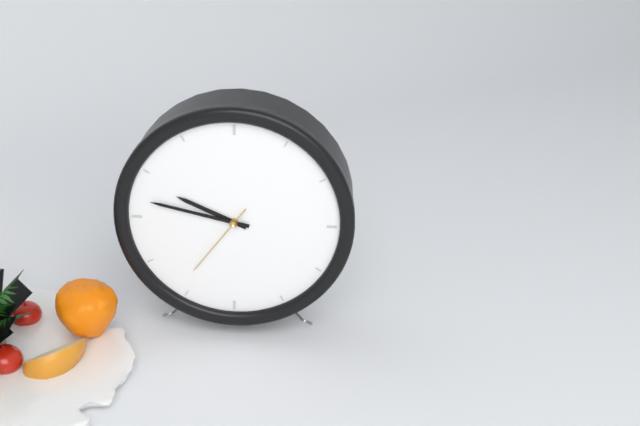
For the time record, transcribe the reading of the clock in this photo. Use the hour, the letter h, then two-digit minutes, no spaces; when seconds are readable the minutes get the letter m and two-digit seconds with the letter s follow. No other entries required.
9h47m36s
